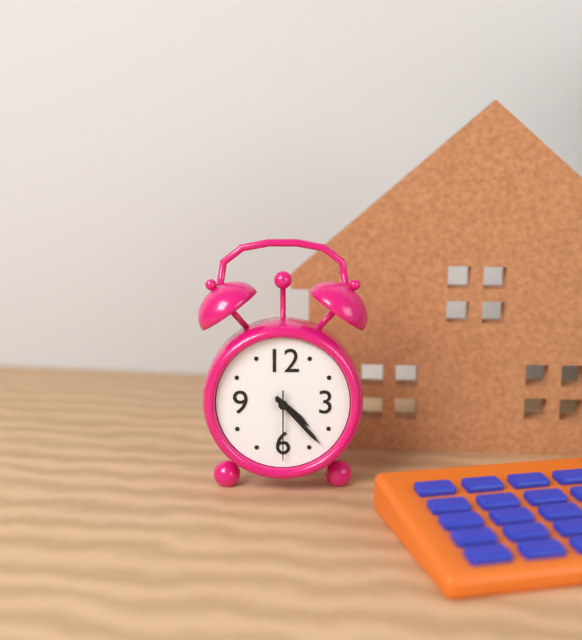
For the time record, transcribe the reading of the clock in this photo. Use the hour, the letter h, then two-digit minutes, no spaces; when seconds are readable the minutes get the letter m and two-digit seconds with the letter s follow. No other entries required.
4h23m30s
